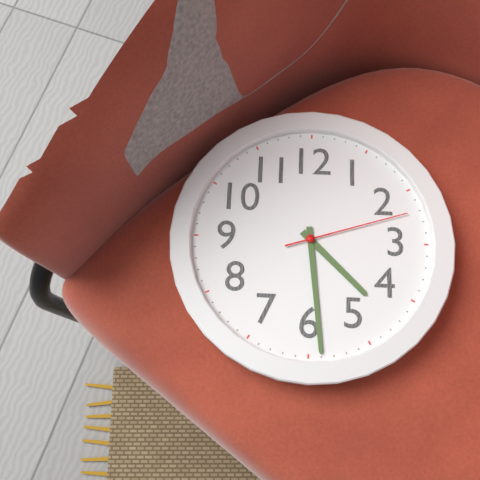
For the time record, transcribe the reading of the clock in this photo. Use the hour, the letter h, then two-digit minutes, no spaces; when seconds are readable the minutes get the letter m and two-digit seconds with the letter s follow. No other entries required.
4h29m12s
